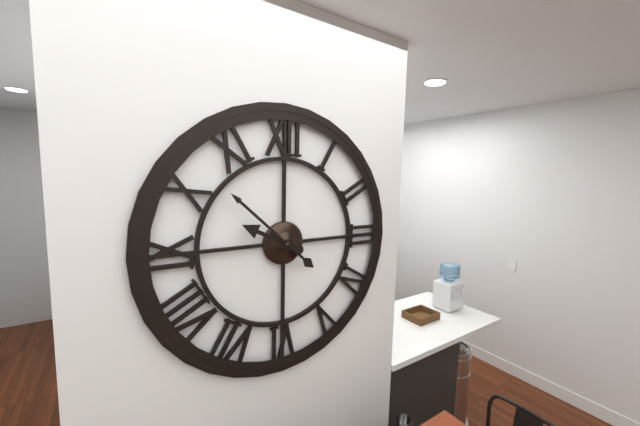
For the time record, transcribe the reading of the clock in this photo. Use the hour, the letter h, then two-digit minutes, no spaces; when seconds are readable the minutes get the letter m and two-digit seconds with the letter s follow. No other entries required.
9h52
